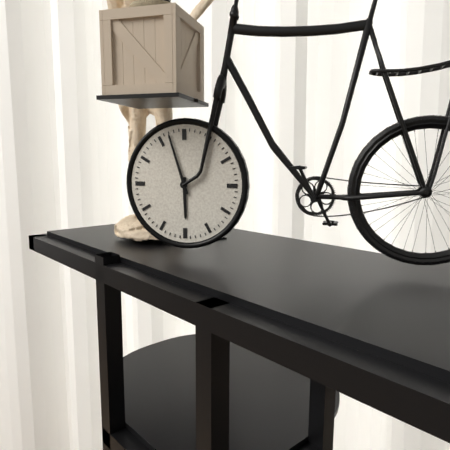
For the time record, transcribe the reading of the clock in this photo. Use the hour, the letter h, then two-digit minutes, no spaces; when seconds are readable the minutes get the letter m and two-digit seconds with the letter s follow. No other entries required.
5h57
